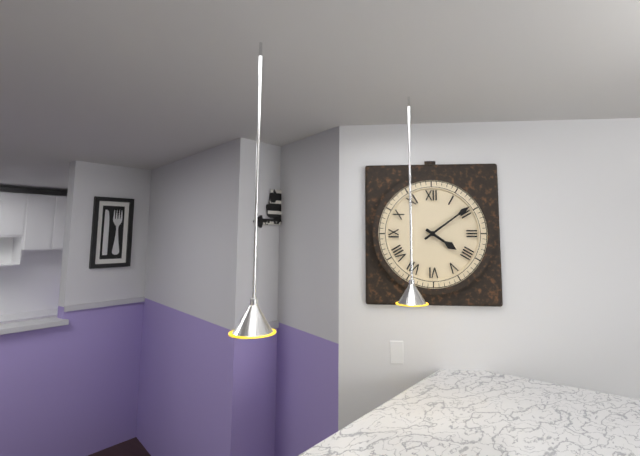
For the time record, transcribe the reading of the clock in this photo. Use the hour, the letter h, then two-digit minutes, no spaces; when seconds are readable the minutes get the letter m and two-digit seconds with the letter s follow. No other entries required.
4h09
